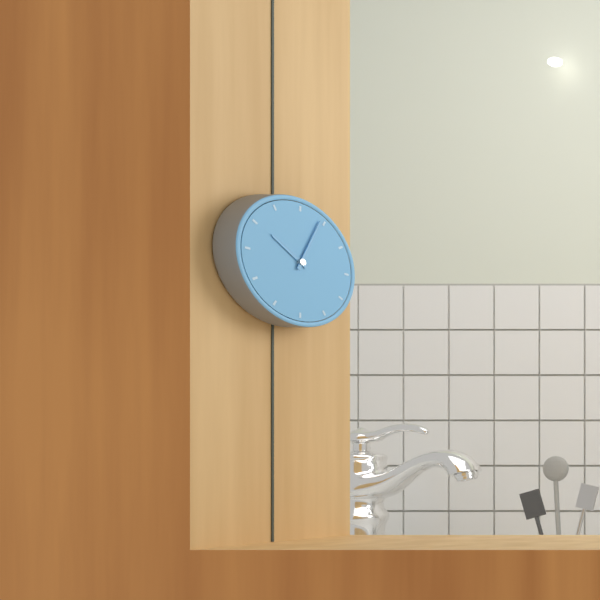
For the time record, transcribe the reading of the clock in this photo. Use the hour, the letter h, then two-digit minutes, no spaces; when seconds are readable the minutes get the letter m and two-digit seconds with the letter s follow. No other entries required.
10h04
